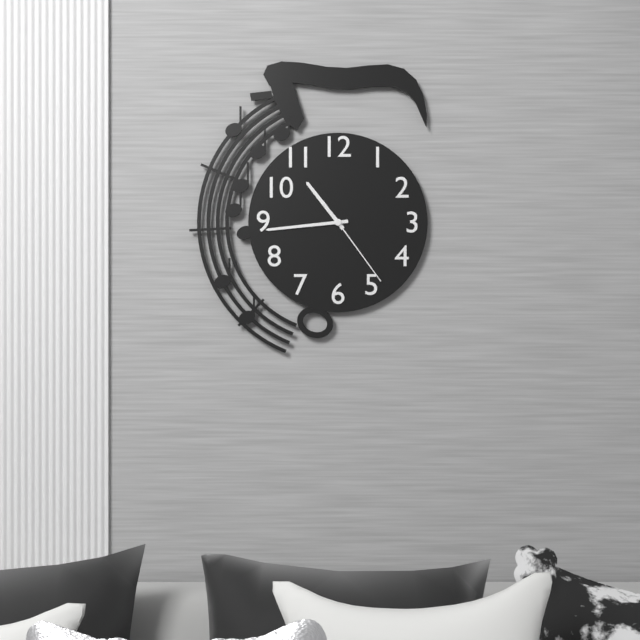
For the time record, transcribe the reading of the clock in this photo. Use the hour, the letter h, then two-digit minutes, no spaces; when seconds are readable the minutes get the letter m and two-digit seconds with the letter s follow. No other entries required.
10h44m24s
